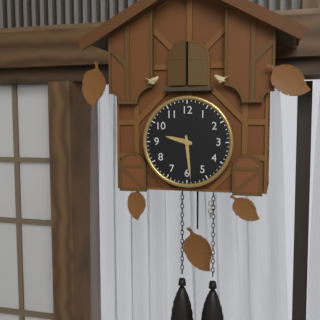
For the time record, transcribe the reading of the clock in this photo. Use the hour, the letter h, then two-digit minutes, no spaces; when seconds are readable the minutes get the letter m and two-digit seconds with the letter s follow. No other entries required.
9h29
